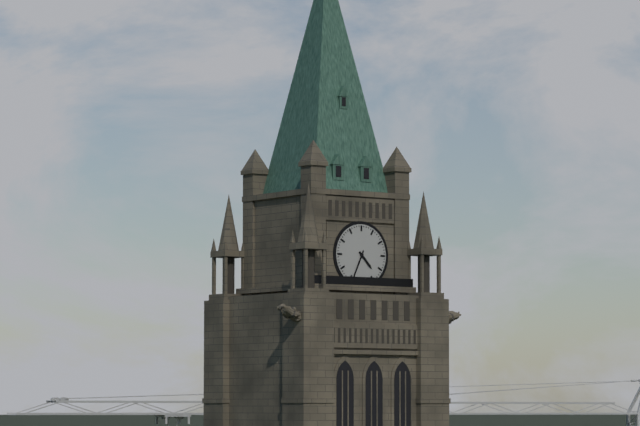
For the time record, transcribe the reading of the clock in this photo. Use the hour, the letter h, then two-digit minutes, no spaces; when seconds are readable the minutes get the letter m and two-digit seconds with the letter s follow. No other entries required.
4h34
